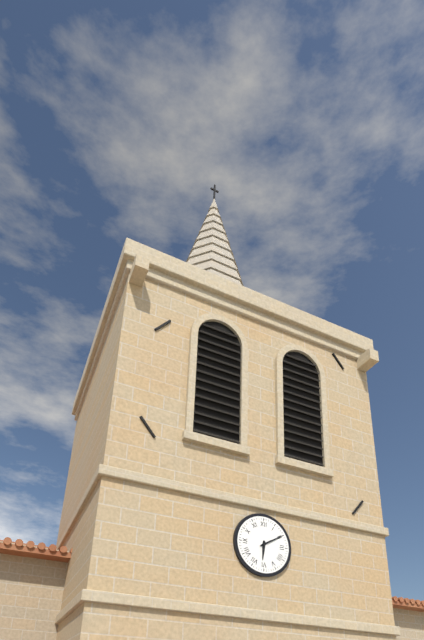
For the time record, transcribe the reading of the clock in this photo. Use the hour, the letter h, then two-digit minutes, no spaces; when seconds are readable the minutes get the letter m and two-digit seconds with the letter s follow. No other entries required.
6h10
